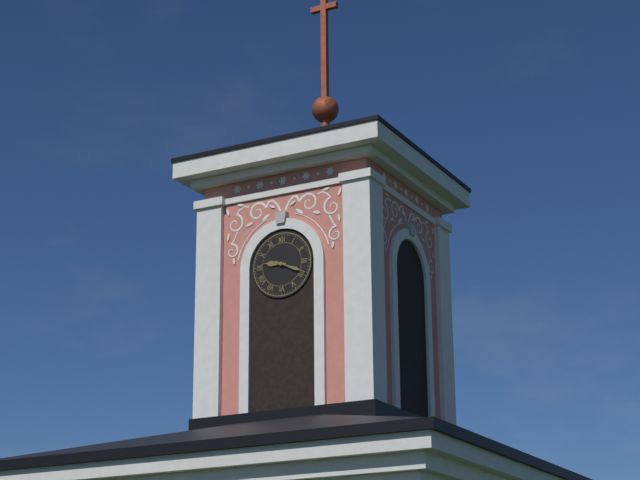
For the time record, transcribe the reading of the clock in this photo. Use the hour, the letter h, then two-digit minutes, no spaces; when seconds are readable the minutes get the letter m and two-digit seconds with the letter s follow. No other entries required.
9h19
